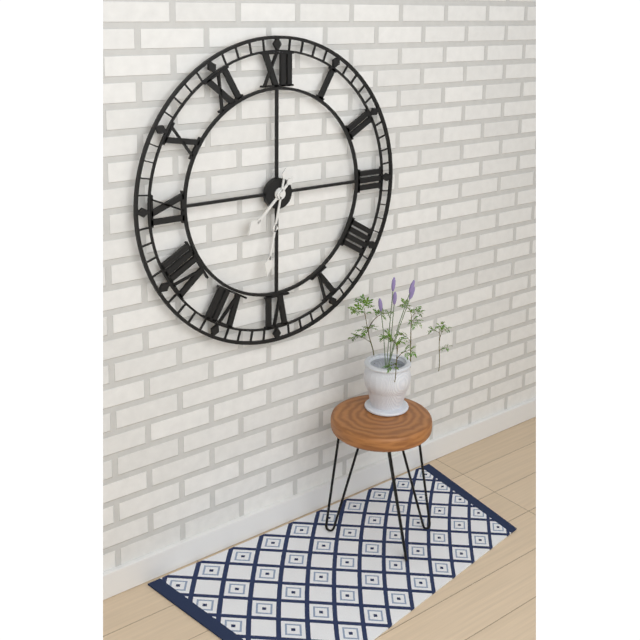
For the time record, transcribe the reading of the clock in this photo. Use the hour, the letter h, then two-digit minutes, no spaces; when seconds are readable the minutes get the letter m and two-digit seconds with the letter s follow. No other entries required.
7h32
